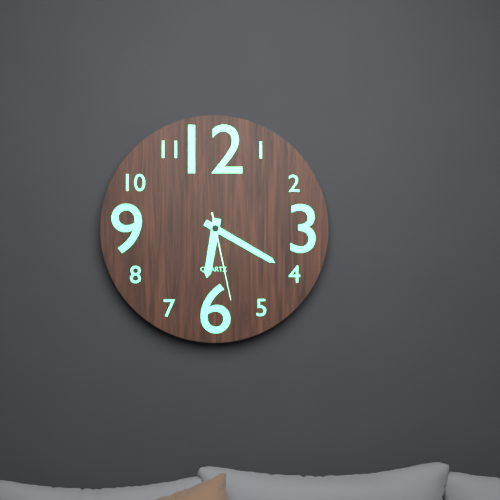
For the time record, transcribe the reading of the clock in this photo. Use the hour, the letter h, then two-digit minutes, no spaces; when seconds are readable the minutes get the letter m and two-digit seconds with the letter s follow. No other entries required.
6h20m28s
